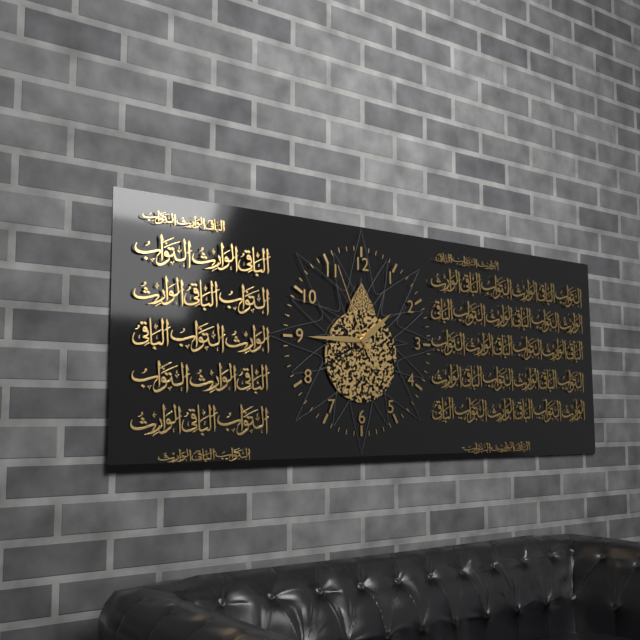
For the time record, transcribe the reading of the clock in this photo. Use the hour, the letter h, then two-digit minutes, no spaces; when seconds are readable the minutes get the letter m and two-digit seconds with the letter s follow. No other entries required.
1h45m56s
